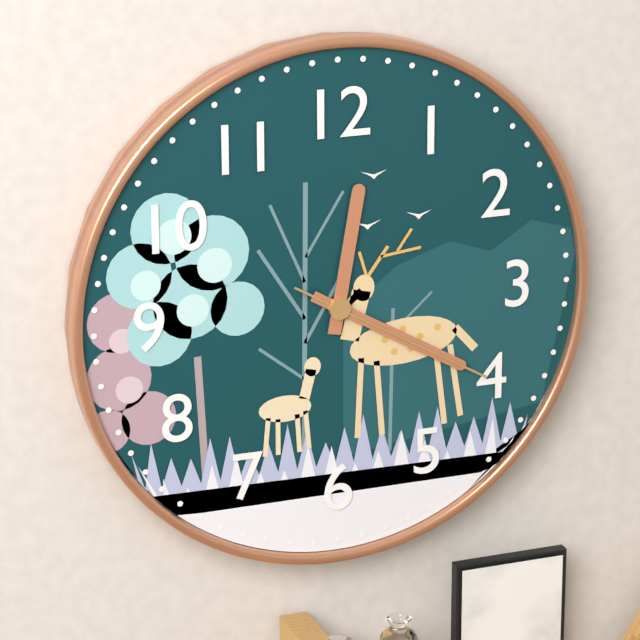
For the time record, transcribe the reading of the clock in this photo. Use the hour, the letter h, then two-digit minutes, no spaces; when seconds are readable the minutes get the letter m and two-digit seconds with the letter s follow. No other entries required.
12h20m20s
